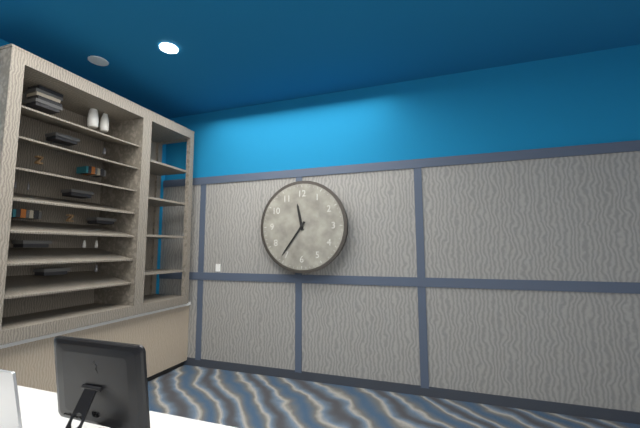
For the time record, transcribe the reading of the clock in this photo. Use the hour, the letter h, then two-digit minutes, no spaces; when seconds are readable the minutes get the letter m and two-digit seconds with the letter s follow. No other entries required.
11h36
